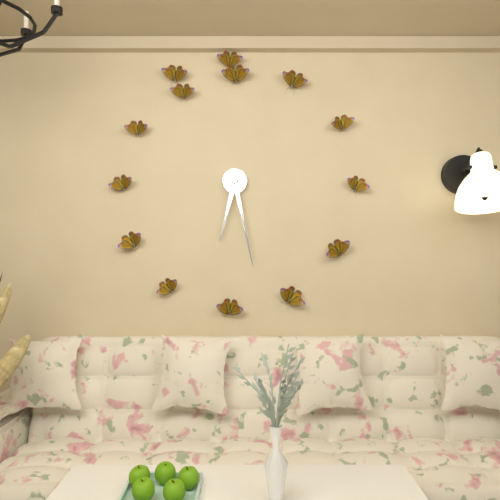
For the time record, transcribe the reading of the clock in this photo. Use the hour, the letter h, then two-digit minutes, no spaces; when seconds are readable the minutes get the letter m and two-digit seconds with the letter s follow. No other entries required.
6h28
